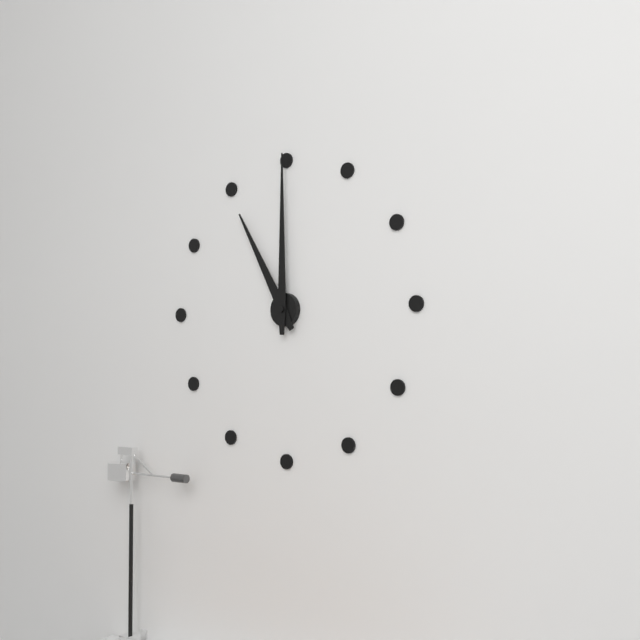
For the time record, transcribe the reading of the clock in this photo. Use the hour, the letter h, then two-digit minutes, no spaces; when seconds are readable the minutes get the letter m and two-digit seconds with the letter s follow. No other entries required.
11h00
